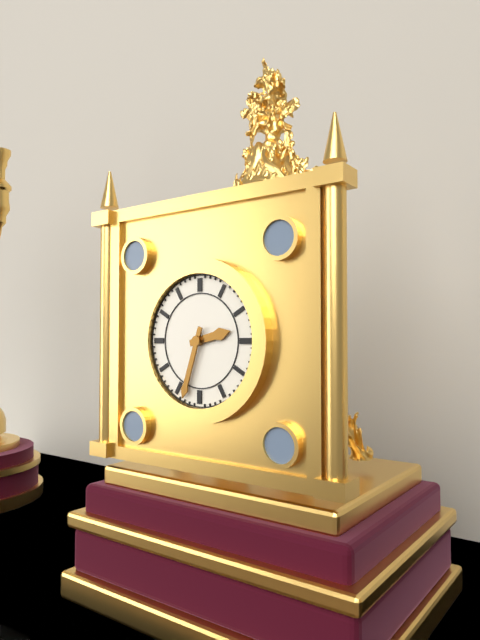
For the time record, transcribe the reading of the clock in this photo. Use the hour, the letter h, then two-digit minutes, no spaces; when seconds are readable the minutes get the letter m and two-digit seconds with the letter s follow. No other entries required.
2h33
